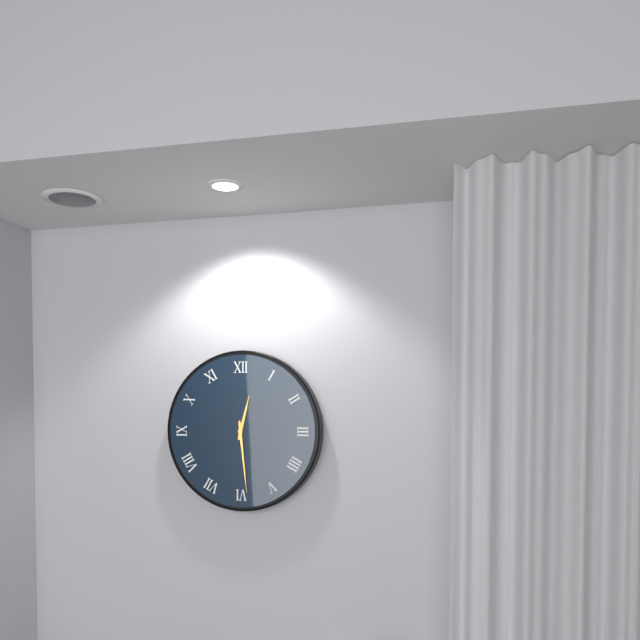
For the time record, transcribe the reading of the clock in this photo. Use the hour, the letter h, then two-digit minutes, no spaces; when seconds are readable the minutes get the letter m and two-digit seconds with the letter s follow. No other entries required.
12h29
